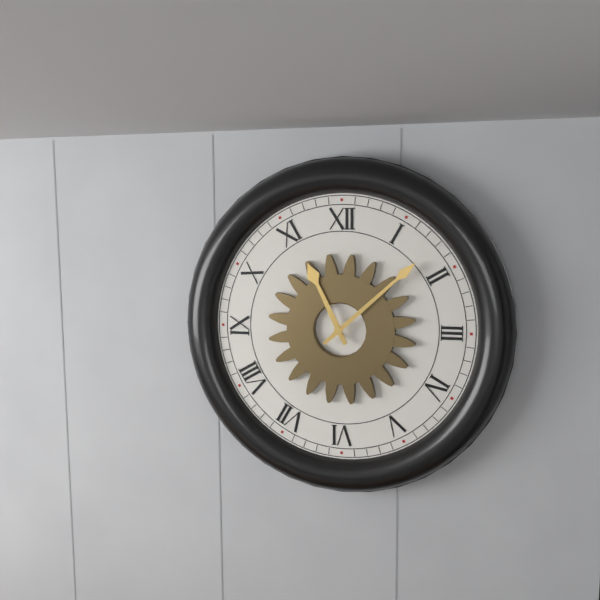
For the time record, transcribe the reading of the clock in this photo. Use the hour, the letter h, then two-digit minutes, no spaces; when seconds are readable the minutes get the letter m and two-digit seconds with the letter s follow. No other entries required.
11h08
